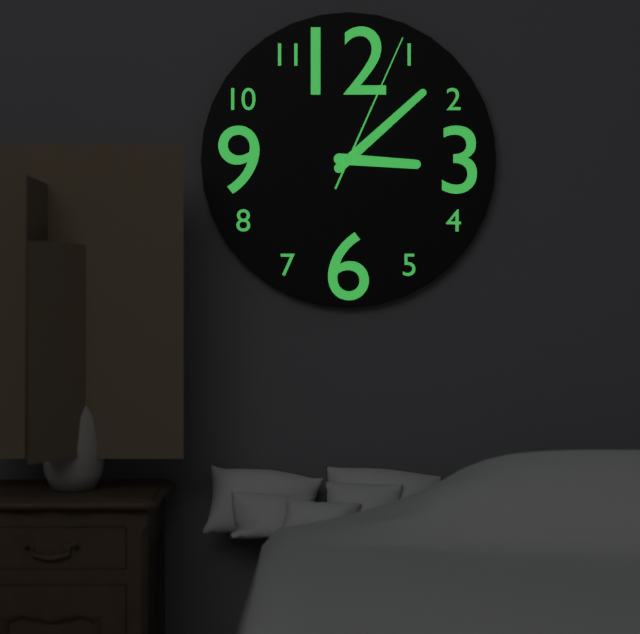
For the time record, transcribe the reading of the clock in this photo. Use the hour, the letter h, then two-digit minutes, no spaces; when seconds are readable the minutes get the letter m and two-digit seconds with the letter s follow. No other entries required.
3h08m04s
